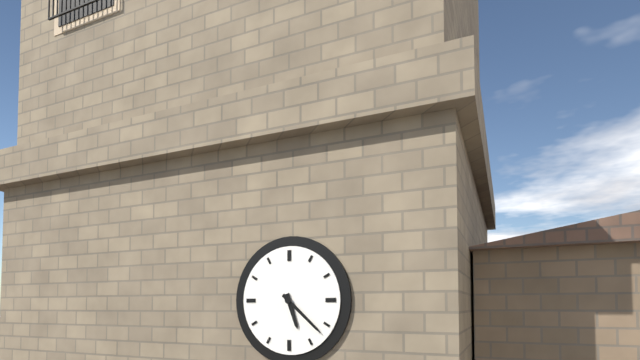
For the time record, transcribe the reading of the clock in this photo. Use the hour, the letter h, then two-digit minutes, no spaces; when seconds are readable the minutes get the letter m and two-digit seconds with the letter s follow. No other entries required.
5h22
